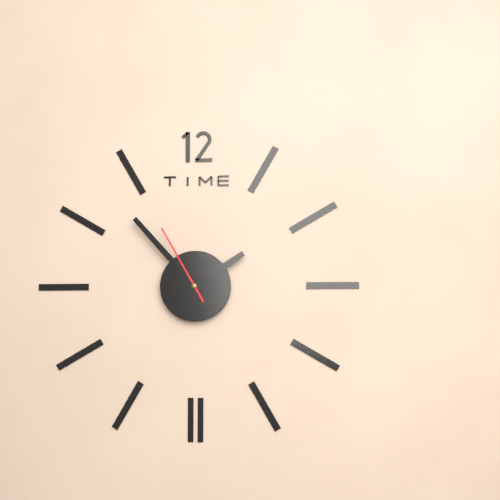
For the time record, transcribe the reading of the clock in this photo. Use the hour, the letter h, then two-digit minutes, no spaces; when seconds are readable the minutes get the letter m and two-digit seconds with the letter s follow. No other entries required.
1h53m55s
